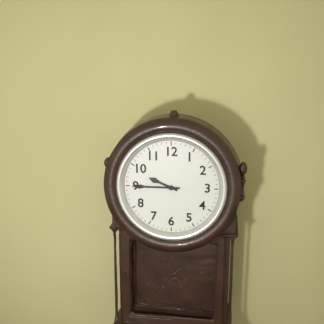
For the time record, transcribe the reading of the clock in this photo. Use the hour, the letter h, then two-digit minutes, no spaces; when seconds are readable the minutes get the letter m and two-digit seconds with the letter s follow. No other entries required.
9h45
